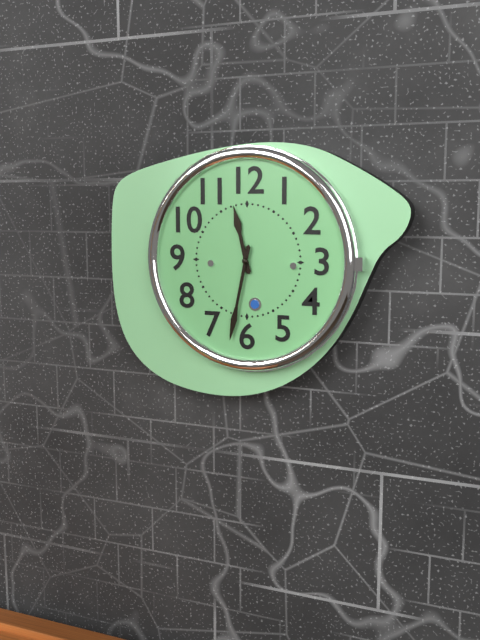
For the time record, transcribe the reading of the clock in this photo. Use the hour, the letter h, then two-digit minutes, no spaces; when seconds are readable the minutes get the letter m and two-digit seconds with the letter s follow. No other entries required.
11h32
